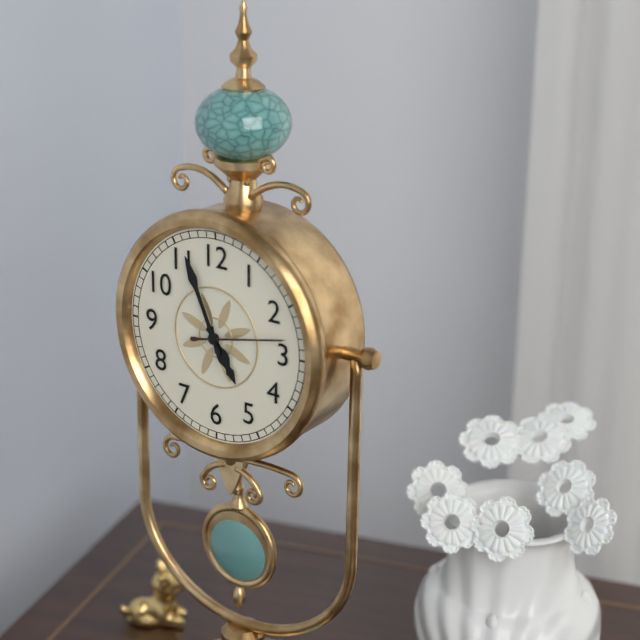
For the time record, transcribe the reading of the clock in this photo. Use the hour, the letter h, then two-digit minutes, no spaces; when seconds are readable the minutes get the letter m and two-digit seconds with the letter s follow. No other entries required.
4h56m13s
